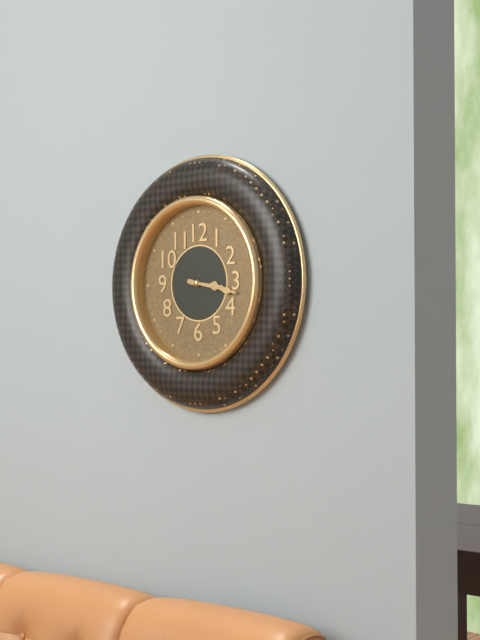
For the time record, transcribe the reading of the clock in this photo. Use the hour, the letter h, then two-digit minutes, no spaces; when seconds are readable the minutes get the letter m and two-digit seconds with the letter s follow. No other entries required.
3h17
